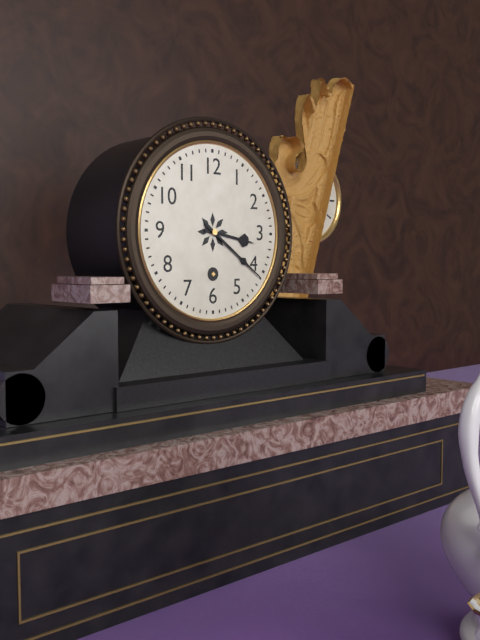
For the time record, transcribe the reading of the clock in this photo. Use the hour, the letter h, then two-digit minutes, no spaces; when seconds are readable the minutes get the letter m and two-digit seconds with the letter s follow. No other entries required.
3h21
